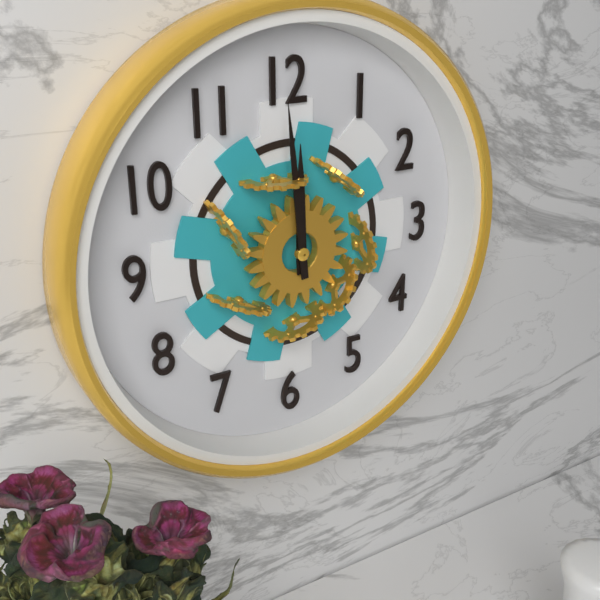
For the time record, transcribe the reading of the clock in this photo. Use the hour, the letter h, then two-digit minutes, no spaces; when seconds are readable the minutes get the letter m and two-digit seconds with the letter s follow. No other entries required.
11h59
